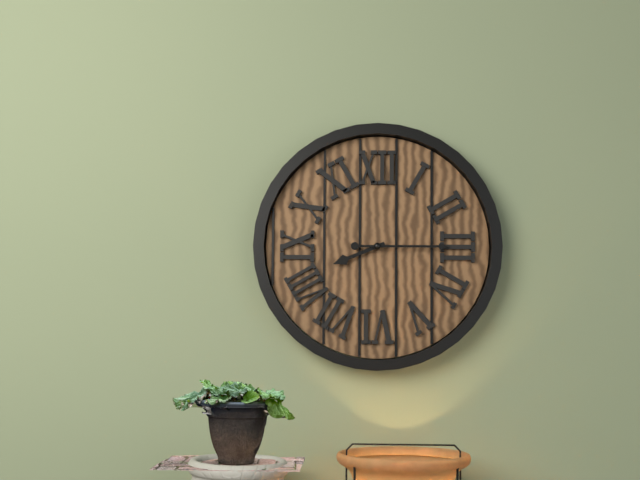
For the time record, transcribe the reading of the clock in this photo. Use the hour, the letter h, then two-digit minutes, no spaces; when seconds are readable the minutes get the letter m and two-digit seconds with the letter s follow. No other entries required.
8h15
